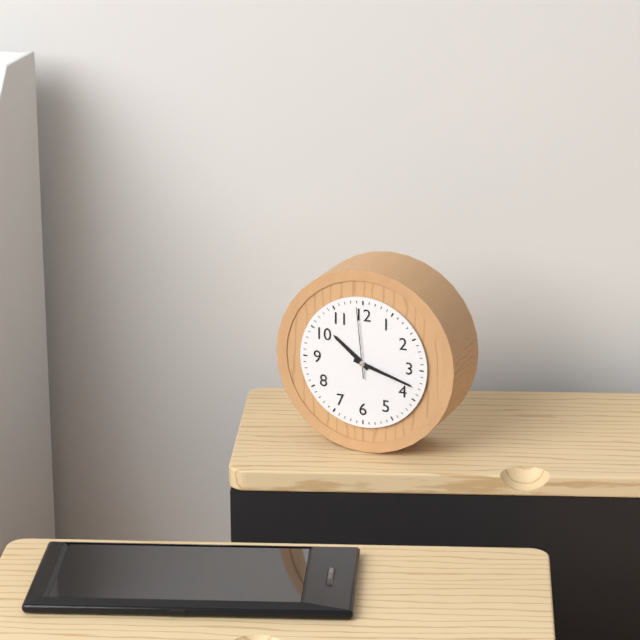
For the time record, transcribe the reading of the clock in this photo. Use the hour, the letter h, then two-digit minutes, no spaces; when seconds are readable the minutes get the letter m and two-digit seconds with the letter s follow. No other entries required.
10h18m59s
